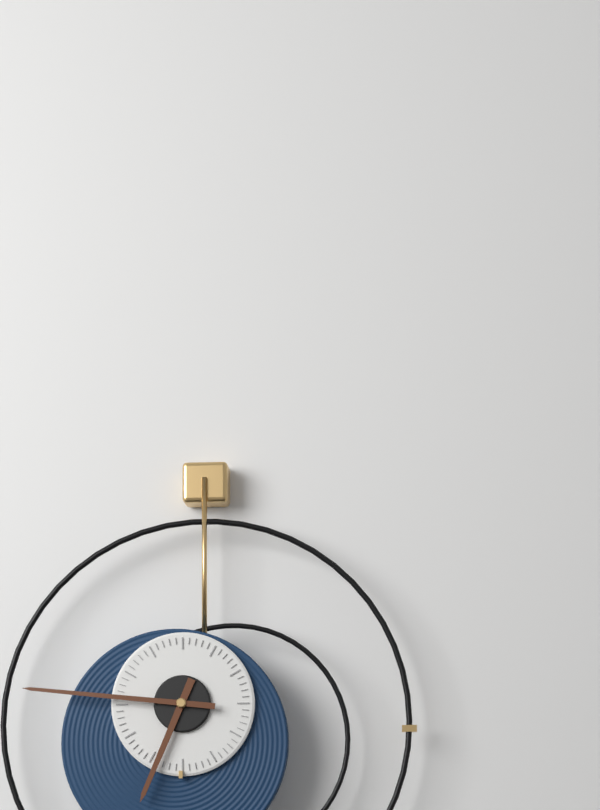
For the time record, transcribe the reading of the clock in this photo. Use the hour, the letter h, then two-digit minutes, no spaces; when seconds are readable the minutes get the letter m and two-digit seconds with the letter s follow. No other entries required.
6h46
